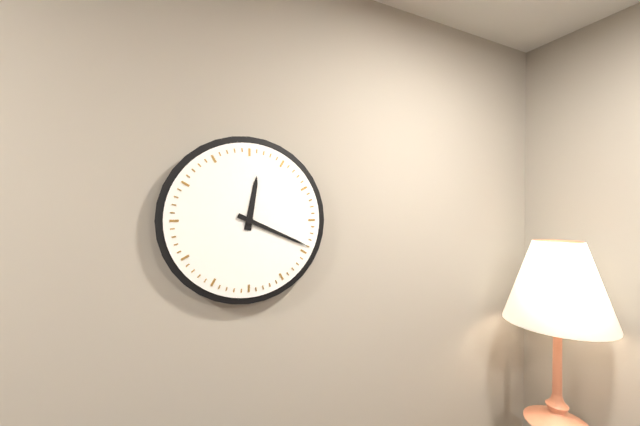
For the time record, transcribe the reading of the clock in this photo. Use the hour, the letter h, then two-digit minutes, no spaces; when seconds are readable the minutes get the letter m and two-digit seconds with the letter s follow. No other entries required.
12h19
